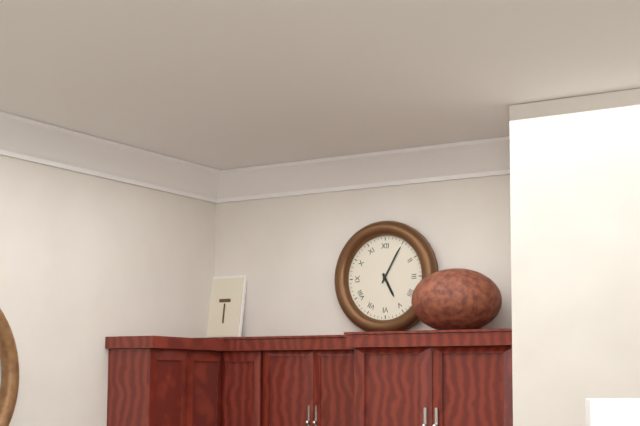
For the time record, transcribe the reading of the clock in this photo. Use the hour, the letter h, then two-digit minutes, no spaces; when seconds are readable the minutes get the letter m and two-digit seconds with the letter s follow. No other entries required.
5h05
